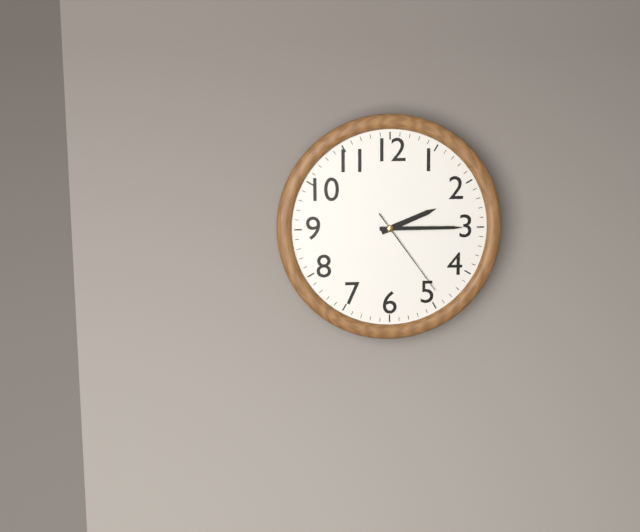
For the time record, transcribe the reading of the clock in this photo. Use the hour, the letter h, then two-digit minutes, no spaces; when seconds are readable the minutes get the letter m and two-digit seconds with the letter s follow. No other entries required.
2h15m24s
